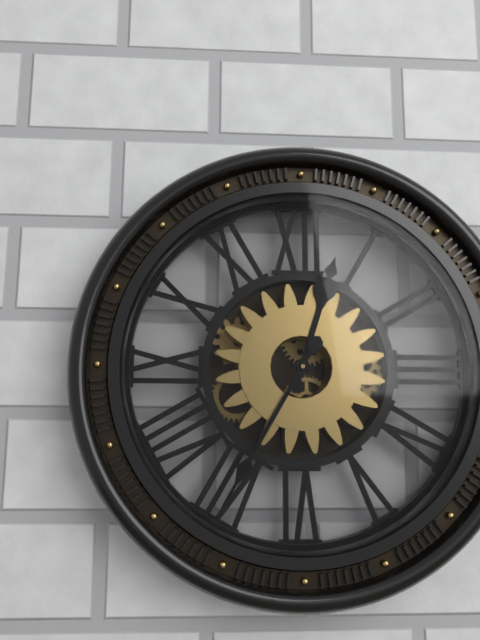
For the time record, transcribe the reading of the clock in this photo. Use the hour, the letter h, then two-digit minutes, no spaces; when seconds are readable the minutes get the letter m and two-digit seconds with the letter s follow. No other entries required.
12h35
